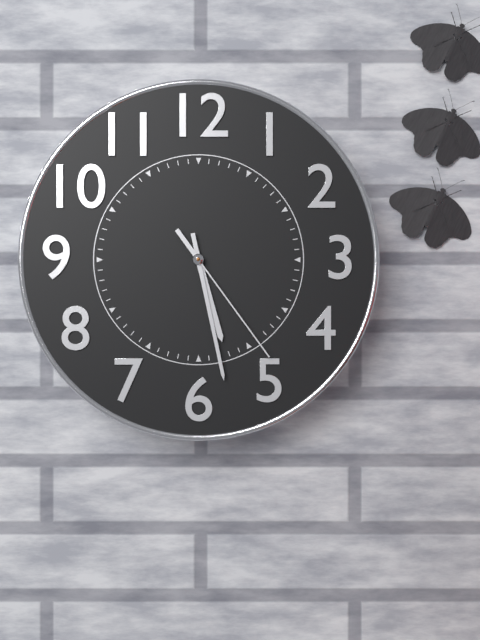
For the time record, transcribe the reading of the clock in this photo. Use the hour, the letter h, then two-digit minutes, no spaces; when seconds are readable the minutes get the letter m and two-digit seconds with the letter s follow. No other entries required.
5h28m24s
